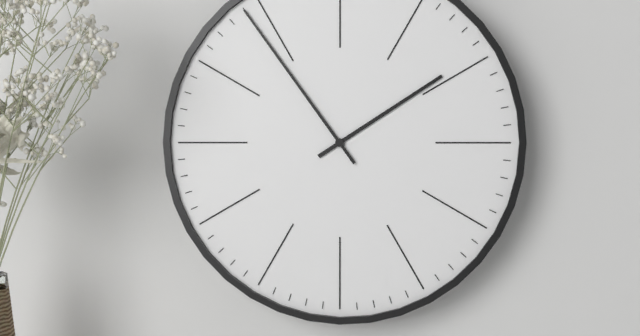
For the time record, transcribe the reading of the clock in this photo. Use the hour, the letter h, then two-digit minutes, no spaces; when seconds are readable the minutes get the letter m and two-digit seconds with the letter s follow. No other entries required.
1h54
